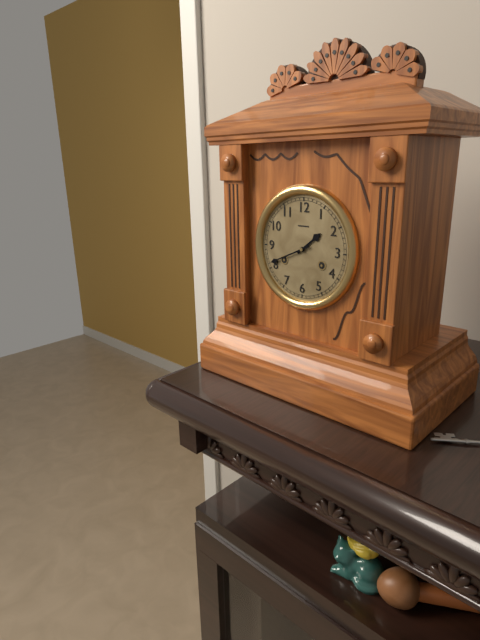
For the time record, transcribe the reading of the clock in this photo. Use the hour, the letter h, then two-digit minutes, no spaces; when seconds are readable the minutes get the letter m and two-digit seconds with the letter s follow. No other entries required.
1h41
